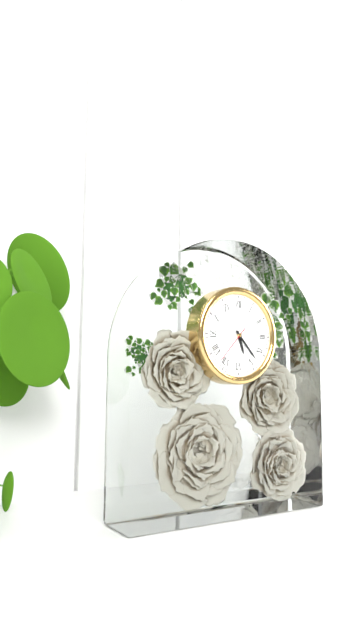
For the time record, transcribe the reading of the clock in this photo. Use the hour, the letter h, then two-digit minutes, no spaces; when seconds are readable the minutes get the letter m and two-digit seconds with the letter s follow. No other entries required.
5h23
